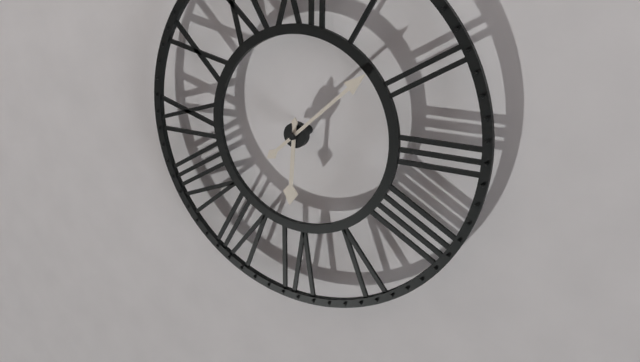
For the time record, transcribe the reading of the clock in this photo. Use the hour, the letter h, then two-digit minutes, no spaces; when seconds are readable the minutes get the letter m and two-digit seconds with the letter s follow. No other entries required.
6h08
